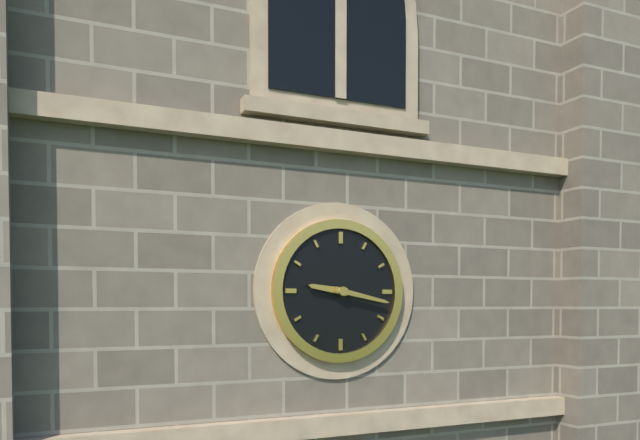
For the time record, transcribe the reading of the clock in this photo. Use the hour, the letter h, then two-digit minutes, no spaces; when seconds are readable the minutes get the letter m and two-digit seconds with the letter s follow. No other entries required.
9h17
